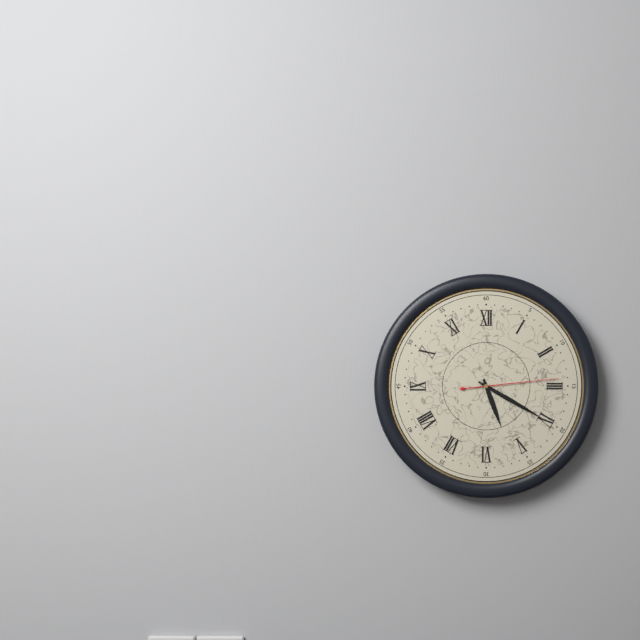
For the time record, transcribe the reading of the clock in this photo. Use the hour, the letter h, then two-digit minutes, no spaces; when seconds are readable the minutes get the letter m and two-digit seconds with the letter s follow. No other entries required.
5h20m14s
